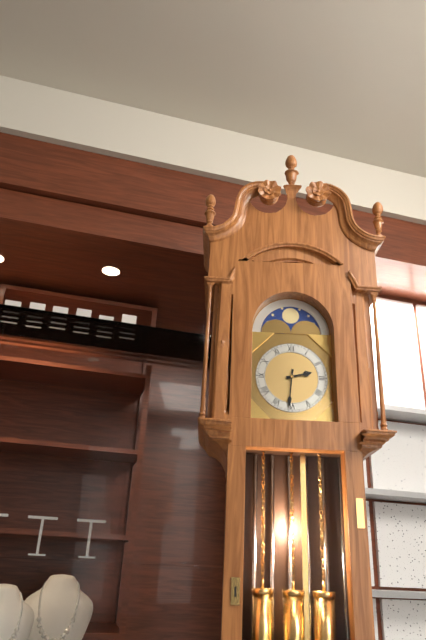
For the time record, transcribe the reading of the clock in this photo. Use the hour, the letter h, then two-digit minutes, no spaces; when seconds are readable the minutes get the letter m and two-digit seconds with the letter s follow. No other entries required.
2h31
